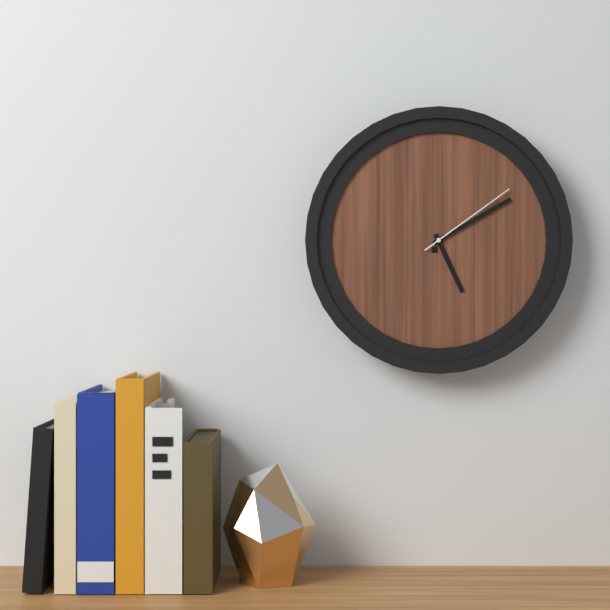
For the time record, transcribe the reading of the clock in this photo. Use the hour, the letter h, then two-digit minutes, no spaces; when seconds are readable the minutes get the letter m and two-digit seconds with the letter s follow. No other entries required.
5h10m09s
